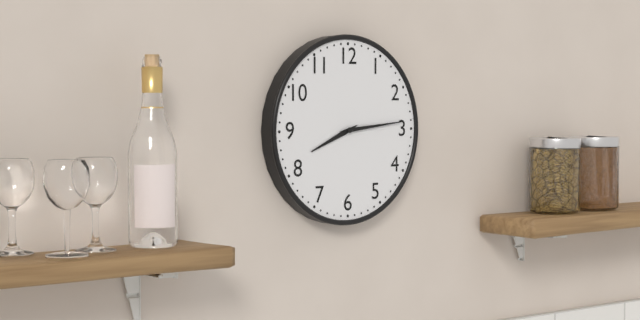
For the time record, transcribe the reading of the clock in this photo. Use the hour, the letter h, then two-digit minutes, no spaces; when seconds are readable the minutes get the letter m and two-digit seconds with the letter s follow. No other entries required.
8h14
